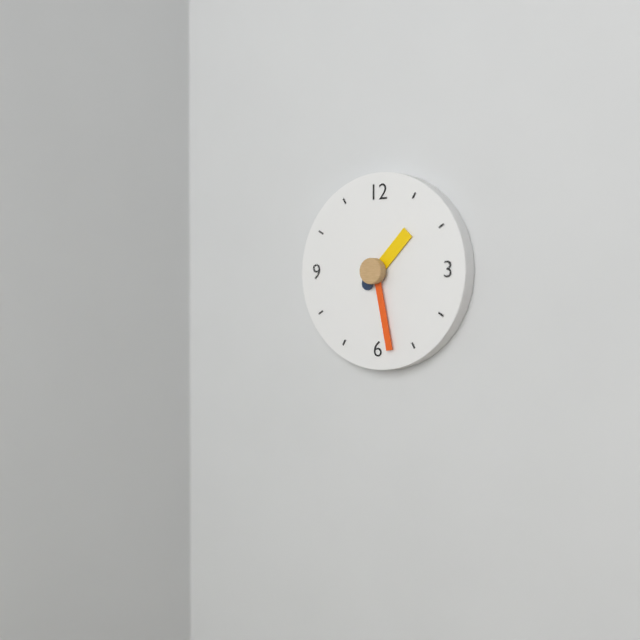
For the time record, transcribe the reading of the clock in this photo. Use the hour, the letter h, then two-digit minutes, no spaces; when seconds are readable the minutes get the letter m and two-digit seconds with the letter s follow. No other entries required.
1h28
